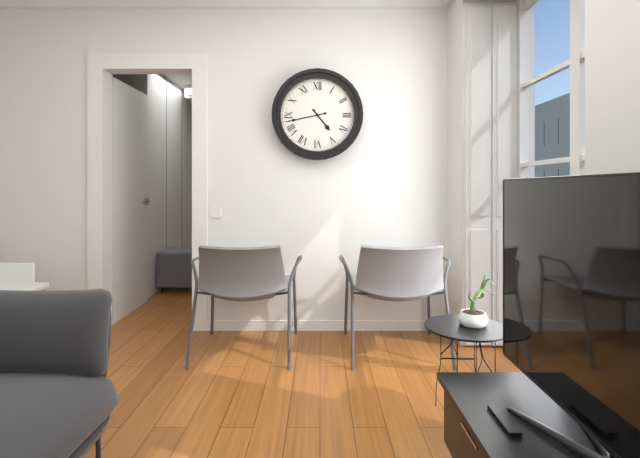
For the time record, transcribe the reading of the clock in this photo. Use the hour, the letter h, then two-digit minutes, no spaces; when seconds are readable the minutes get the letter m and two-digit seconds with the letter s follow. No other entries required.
4h43
